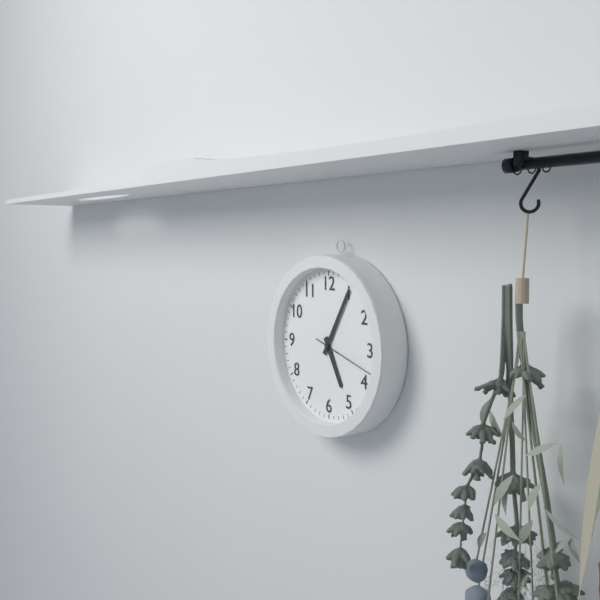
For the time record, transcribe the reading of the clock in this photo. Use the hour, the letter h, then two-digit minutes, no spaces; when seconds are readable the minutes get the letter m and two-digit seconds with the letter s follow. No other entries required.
5h05m18s
